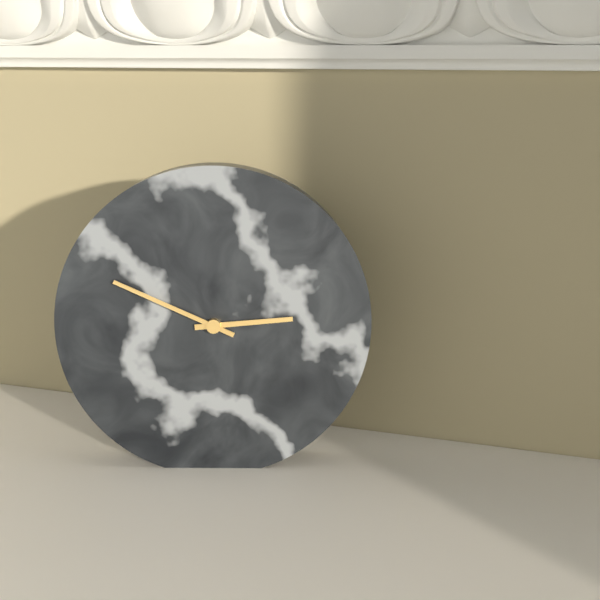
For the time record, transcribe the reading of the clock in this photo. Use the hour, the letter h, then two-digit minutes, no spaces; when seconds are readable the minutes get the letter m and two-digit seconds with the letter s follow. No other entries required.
2h49
